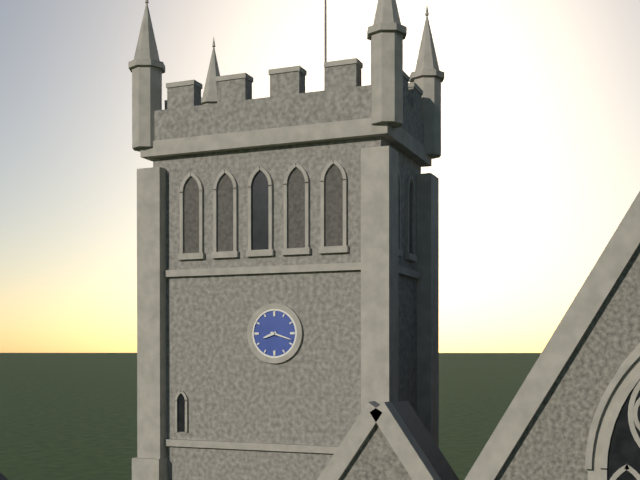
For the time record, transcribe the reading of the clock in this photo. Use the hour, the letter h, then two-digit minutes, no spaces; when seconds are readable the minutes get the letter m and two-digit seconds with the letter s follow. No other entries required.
8h18
